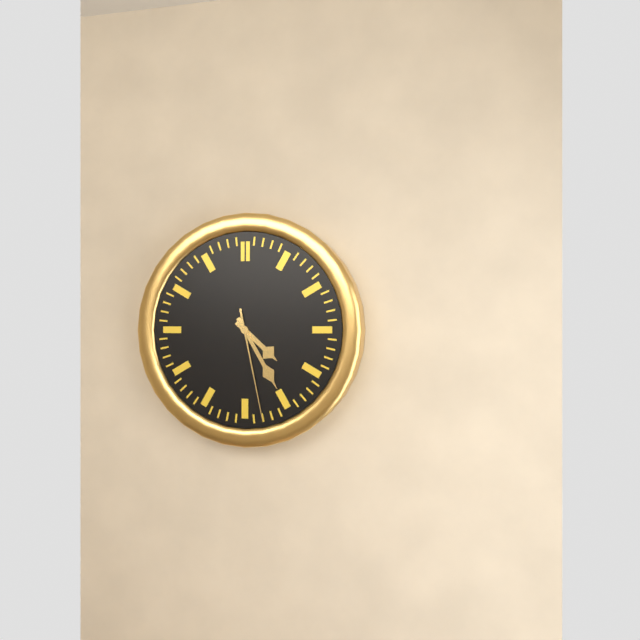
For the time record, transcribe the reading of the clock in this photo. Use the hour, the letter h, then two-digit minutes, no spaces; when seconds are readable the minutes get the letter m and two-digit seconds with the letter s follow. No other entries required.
4h25m28s
